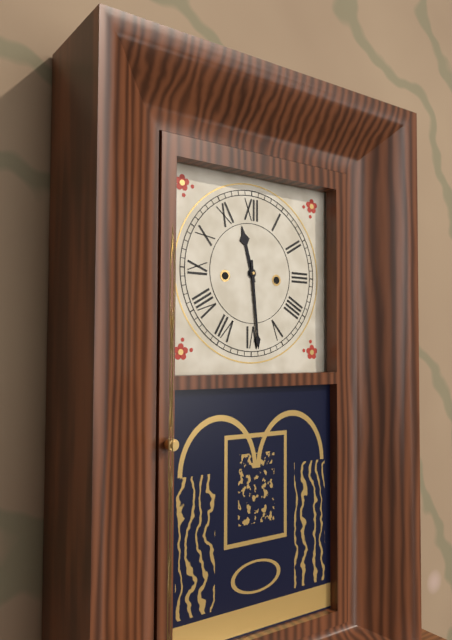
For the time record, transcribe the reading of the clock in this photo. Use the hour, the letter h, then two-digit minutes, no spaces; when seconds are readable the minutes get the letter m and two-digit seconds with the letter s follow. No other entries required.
11h29
